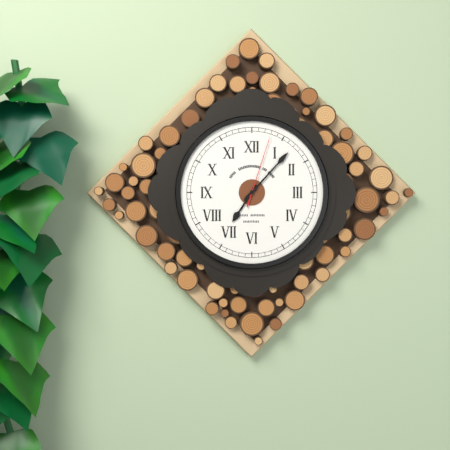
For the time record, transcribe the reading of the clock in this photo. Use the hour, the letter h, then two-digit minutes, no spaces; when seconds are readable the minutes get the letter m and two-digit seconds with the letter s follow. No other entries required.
7h07m03s
